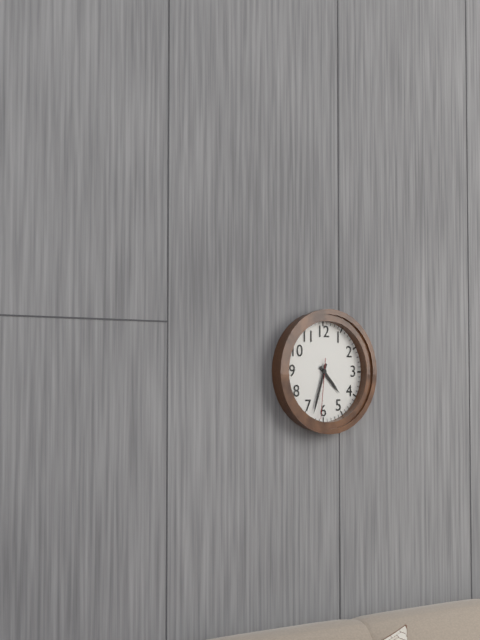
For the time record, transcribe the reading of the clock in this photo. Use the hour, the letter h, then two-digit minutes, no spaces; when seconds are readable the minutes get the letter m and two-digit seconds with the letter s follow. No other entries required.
4h33m31s
